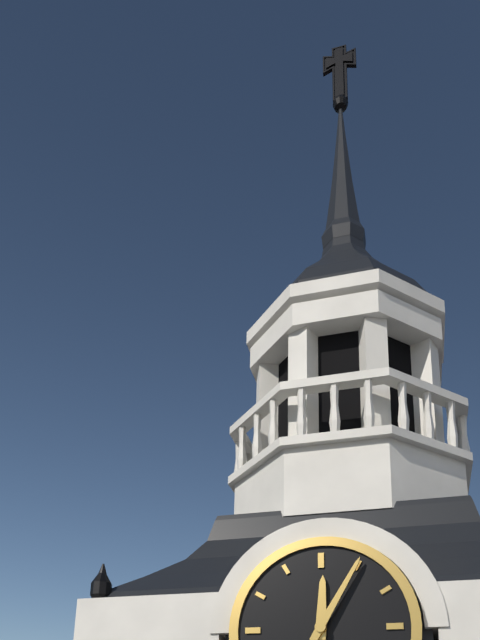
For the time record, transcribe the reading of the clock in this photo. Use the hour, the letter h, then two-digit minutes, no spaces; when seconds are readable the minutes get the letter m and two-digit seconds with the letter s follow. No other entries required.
12h05
